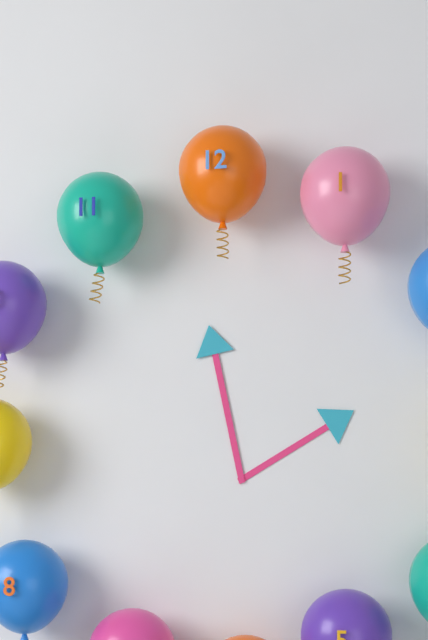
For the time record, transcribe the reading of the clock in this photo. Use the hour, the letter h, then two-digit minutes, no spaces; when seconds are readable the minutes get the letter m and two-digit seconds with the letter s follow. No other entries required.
1h58
